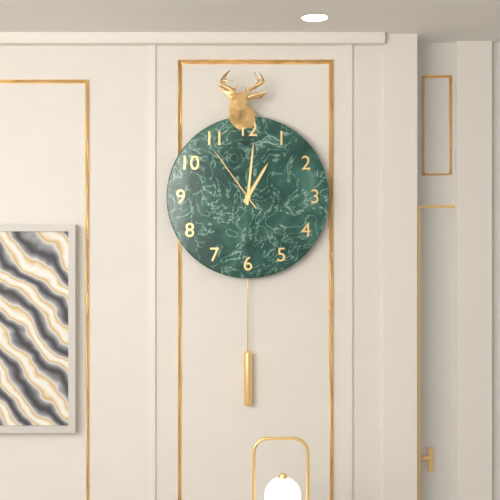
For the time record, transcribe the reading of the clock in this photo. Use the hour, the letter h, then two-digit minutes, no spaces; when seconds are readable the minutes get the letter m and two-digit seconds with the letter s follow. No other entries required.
1h01m54s
